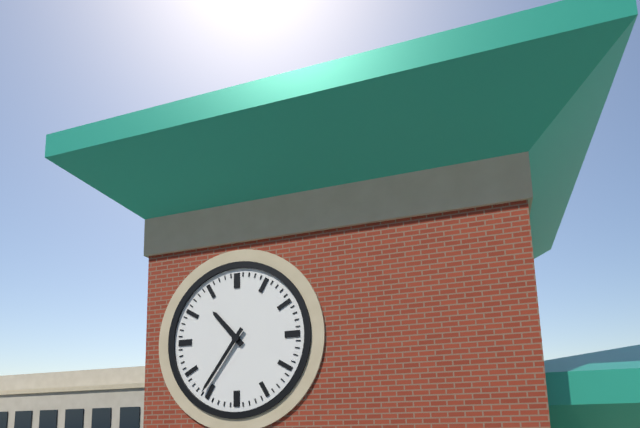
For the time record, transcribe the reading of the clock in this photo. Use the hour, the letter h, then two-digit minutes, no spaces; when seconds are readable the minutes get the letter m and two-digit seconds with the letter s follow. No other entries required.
10h36
